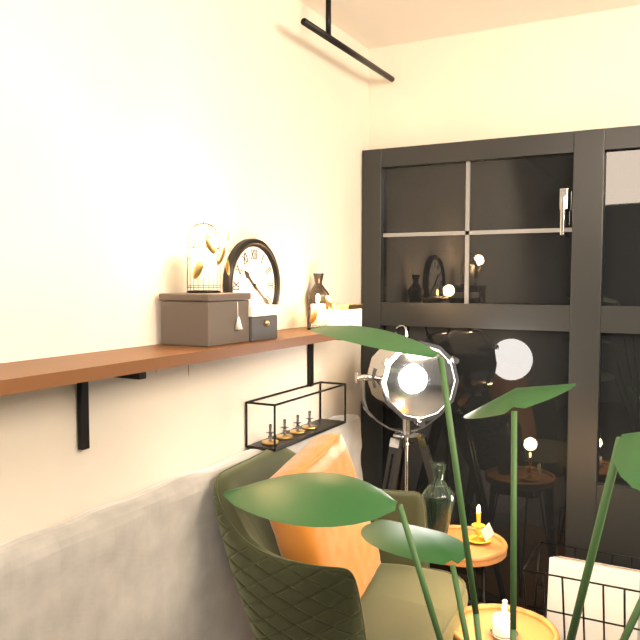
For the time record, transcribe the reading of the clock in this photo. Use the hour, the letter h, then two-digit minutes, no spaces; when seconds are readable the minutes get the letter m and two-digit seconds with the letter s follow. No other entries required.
10h21
